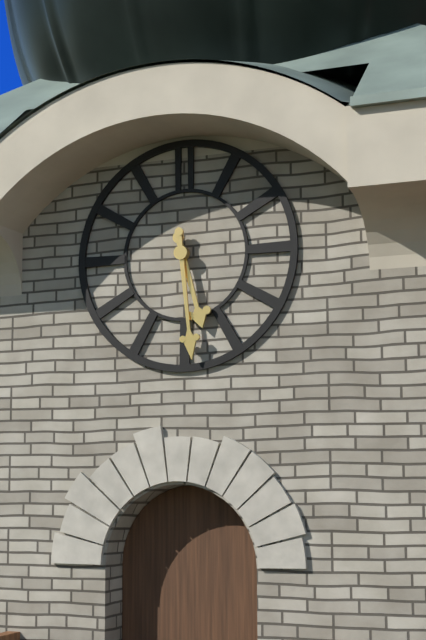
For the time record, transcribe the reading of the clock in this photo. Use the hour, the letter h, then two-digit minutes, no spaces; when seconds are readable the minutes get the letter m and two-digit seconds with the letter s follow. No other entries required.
5h29
